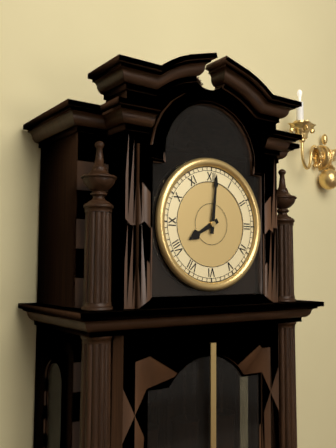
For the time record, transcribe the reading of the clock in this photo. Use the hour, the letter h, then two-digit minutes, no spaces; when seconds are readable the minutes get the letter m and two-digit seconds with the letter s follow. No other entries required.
8h01
